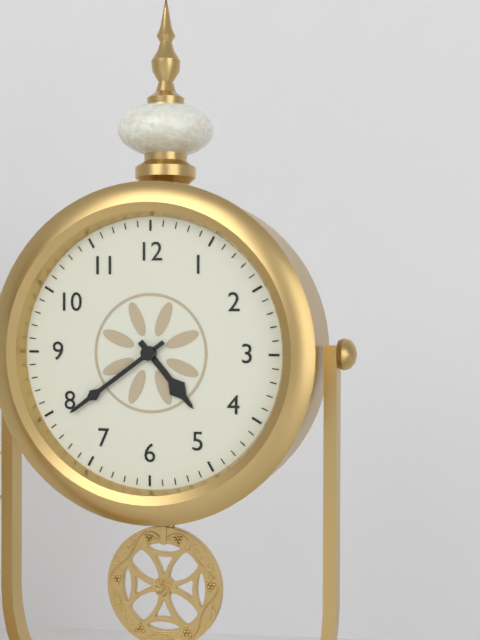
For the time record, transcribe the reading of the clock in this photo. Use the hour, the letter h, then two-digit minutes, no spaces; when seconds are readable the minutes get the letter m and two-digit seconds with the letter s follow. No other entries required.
4h39
